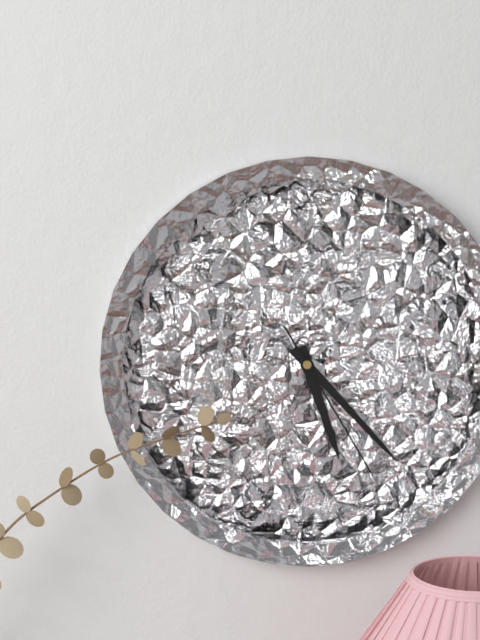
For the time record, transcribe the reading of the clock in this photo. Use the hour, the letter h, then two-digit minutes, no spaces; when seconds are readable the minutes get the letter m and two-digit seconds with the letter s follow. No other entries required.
5h23m25s
